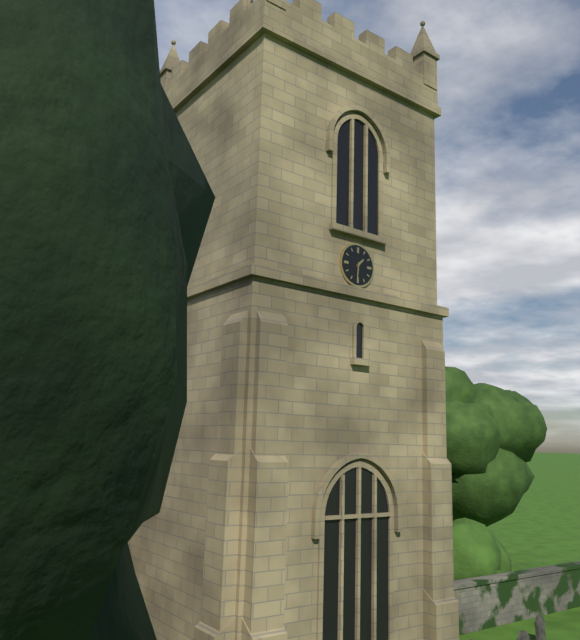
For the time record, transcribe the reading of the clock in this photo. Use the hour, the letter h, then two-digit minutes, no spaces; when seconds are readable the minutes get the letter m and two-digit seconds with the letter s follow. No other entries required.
1h31
